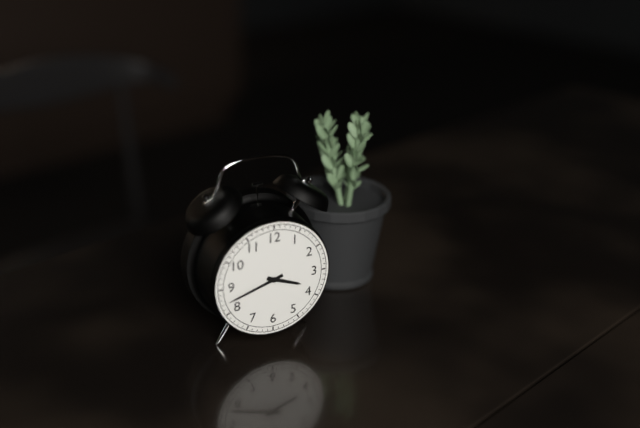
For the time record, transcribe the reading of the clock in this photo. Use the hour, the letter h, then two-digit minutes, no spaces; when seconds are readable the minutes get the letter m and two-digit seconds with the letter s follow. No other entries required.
3h42
